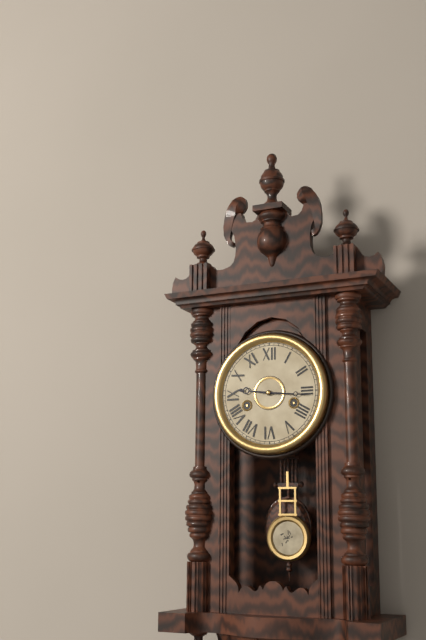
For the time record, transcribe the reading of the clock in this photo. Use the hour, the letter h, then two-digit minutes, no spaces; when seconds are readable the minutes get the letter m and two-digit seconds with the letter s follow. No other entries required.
9h16
